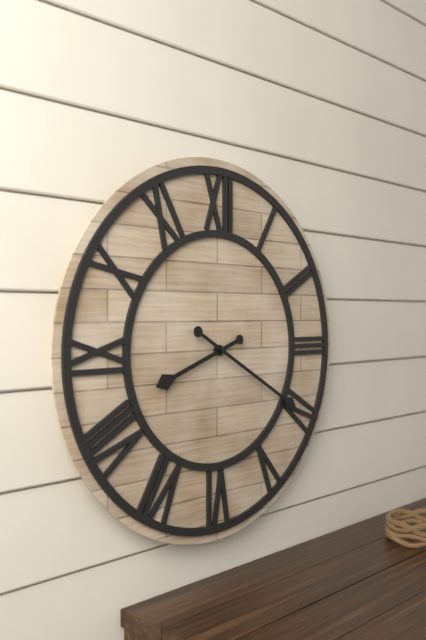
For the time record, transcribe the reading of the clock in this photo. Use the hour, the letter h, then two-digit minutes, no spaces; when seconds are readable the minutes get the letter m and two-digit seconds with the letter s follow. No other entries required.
8h20
